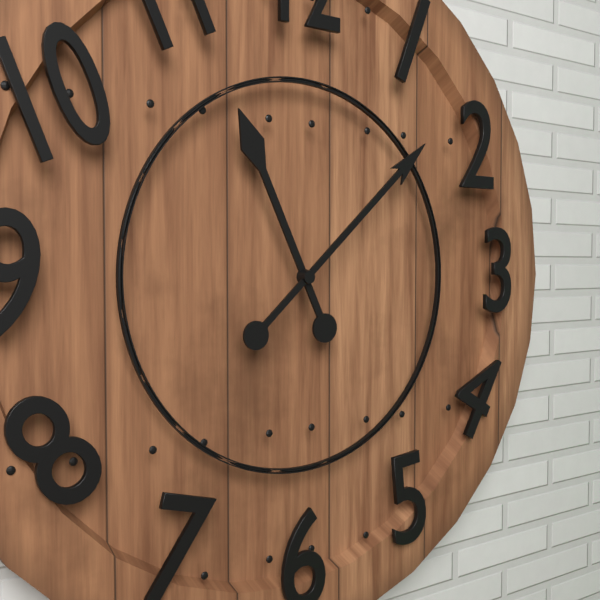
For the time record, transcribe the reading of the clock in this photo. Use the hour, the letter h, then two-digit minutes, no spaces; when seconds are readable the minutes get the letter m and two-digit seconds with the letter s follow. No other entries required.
11h08
